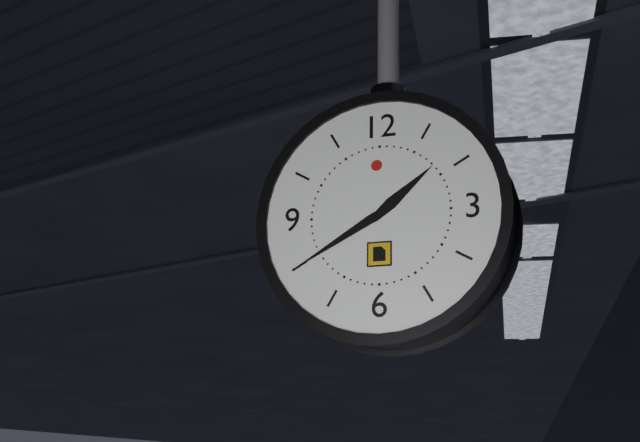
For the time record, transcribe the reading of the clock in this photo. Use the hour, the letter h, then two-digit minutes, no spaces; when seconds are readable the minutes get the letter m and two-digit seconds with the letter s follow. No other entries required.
1h40
